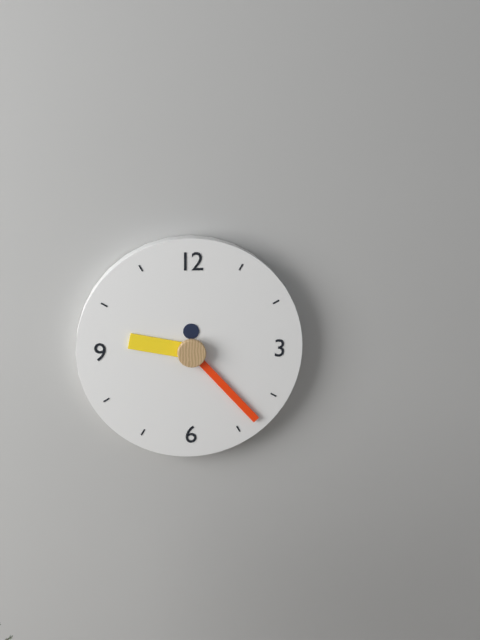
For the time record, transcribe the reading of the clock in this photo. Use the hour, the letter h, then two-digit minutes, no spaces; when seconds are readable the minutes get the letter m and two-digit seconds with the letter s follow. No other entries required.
9h23
